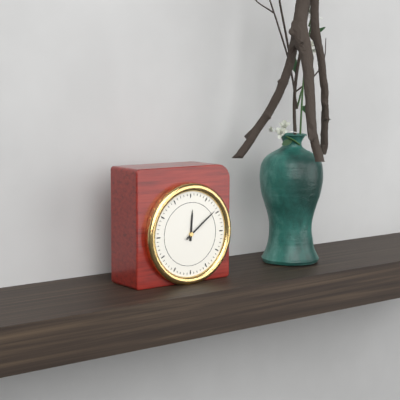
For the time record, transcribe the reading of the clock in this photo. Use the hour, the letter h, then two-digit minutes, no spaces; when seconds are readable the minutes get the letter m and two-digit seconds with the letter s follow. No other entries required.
12h09
